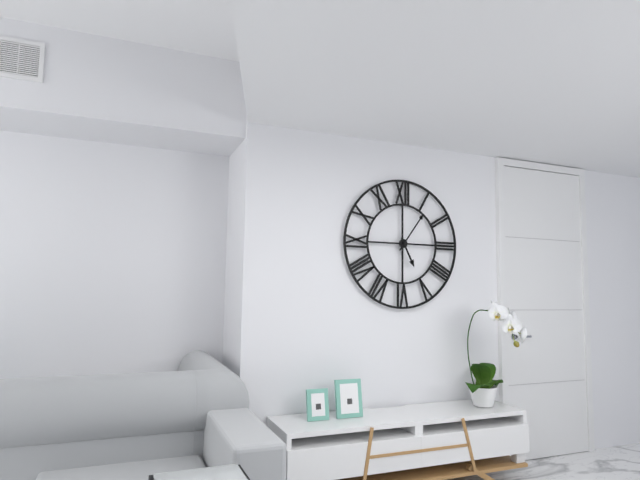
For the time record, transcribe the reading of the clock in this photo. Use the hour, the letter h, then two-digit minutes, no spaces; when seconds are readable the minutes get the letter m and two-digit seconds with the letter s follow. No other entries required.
5h06
